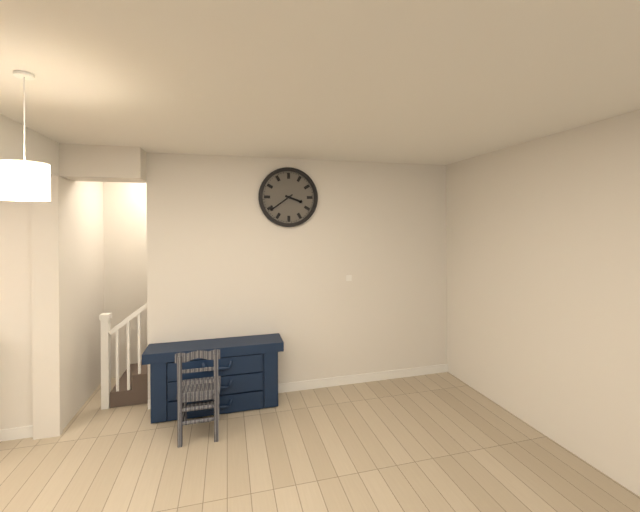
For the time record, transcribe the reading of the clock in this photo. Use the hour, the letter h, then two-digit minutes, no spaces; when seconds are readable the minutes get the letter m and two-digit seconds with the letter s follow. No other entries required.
3h39
